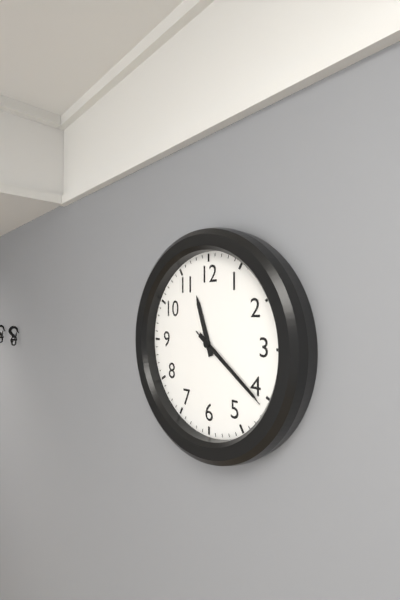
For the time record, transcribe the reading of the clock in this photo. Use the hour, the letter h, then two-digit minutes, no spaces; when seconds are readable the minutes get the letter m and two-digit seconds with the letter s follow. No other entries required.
11h21m21s
